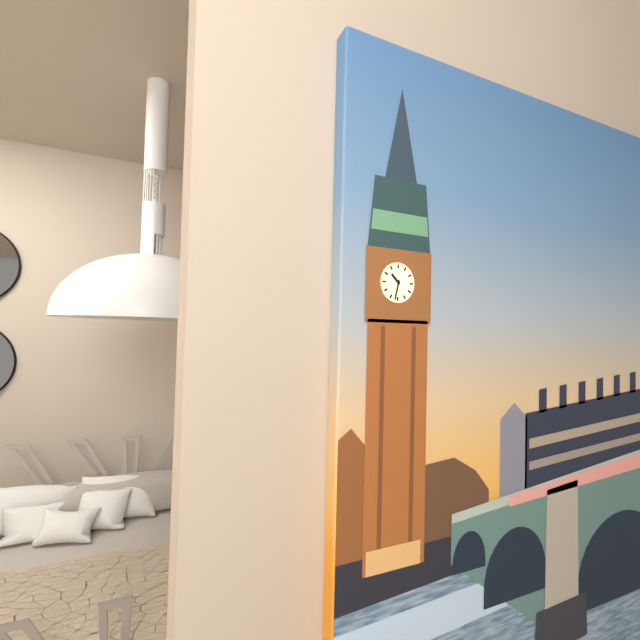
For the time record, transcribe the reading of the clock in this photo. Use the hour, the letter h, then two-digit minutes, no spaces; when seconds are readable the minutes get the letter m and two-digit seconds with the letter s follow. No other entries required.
10h32
